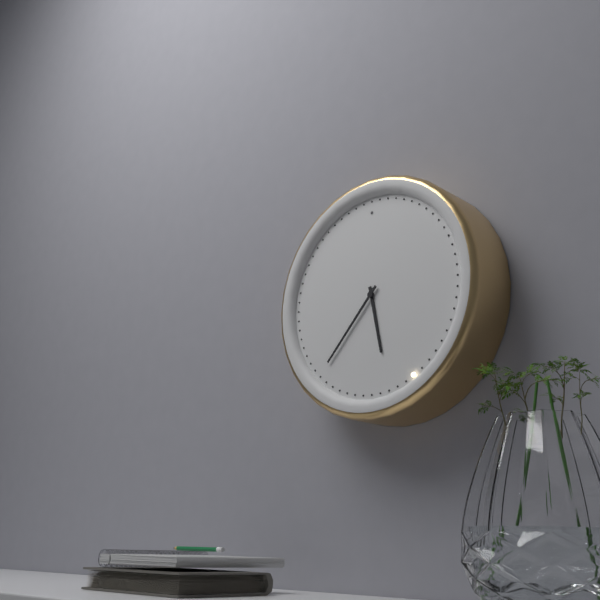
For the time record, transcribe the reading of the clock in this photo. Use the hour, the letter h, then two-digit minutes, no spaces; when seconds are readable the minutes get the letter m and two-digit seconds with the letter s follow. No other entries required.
5h37
